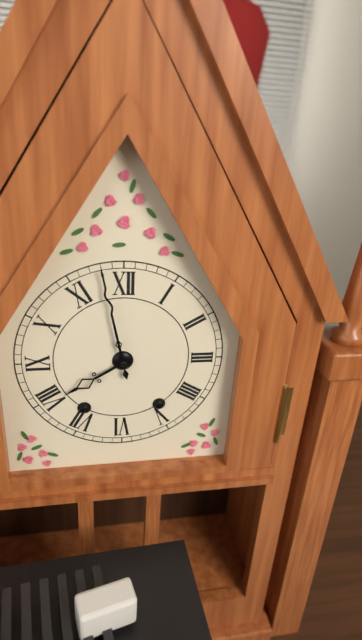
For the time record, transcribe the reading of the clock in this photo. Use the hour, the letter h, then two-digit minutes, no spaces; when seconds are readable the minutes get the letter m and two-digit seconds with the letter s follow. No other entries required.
7h58
